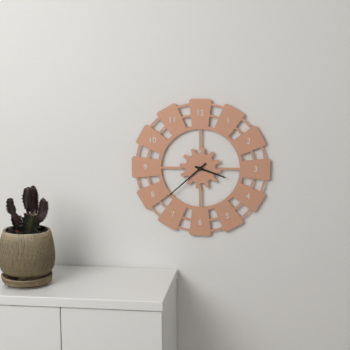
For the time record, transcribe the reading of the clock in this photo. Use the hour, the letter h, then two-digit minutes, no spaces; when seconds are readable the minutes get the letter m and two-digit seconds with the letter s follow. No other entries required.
3h38
